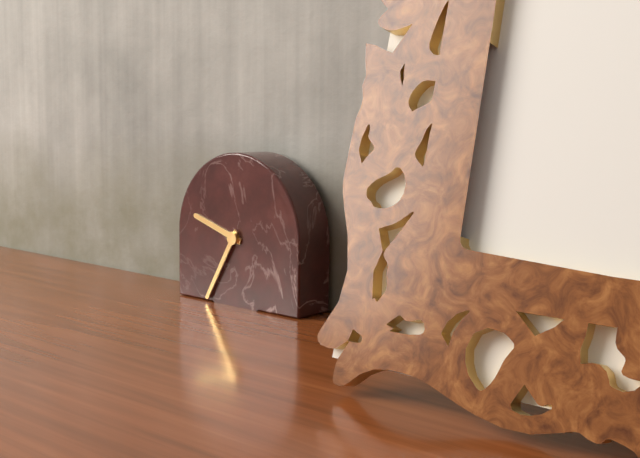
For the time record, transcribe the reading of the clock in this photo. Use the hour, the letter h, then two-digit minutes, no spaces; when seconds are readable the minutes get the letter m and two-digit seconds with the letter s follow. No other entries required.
9h35
